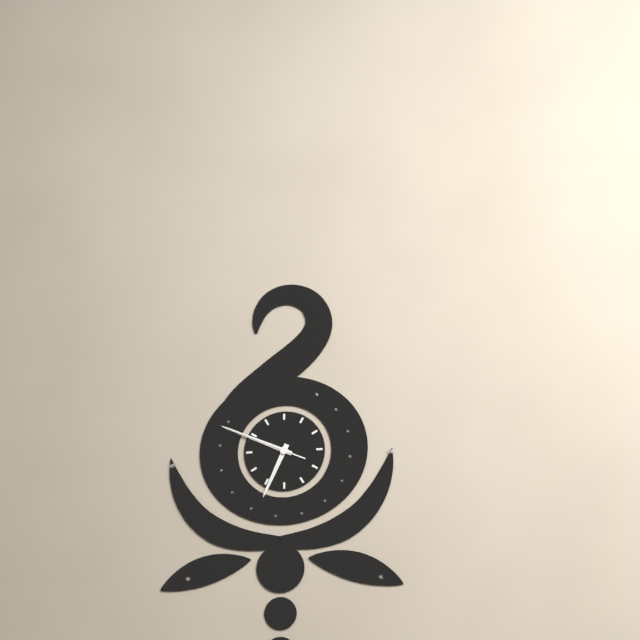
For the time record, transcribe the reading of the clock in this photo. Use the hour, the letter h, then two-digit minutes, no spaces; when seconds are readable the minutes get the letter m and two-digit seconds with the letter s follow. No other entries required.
6h49m49s
